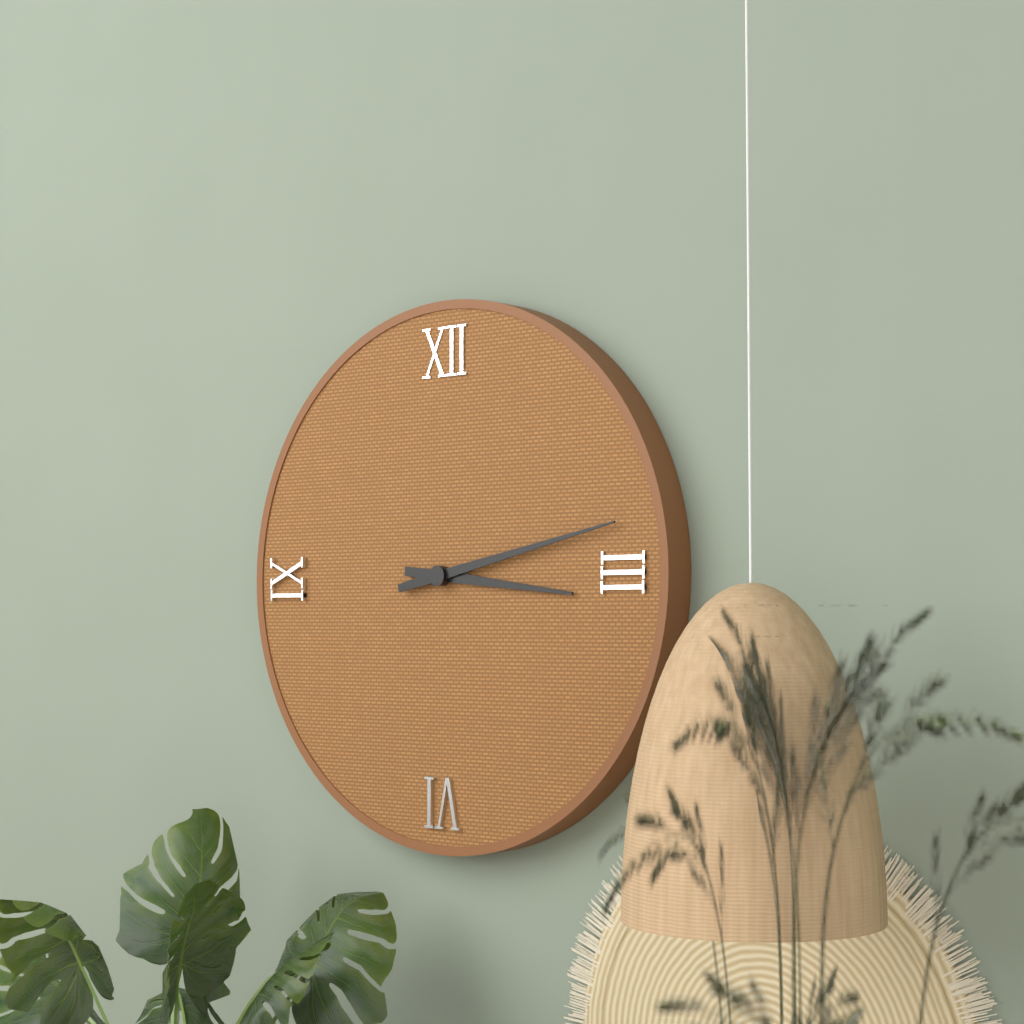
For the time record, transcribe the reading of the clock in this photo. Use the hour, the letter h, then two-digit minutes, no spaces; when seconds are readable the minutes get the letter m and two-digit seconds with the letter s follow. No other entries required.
3h13
